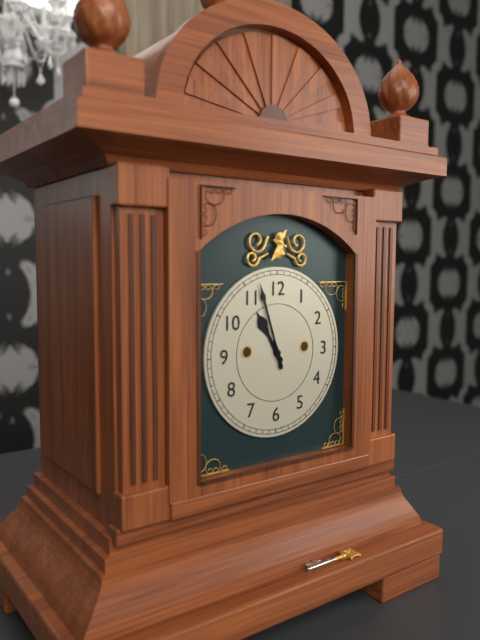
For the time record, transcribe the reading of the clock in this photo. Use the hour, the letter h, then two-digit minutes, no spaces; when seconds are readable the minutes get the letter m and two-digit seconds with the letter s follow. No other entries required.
10h57
